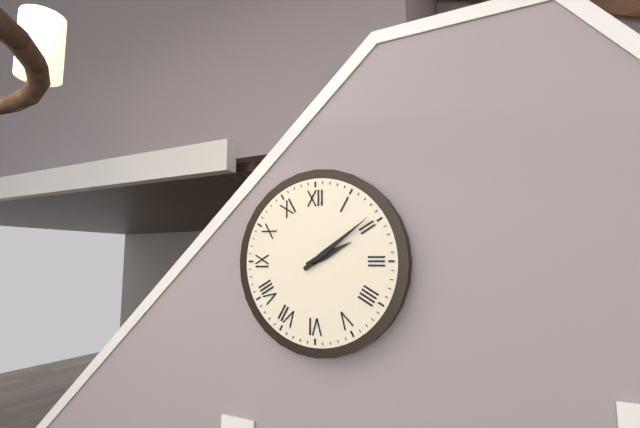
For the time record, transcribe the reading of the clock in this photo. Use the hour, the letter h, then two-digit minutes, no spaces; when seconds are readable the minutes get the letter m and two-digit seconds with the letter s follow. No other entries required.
2h09
